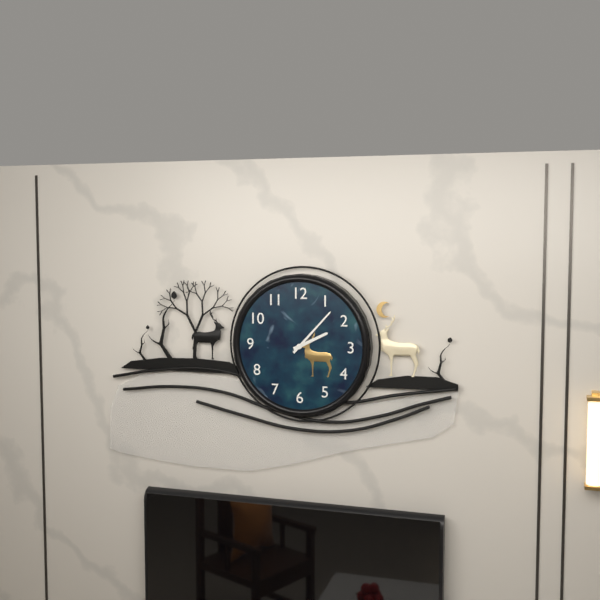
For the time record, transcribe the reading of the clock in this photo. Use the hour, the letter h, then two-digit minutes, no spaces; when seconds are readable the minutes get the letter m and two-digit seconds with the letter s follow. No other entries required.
2h07
